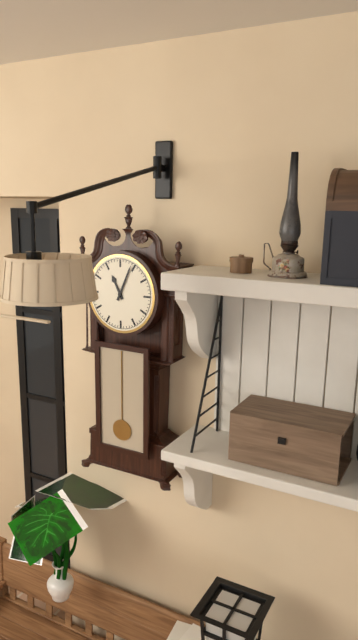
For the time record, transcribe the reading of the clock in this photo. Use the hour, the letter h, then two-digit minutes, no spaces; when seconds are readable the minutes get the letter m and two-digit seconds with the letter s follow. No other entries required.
11h04
